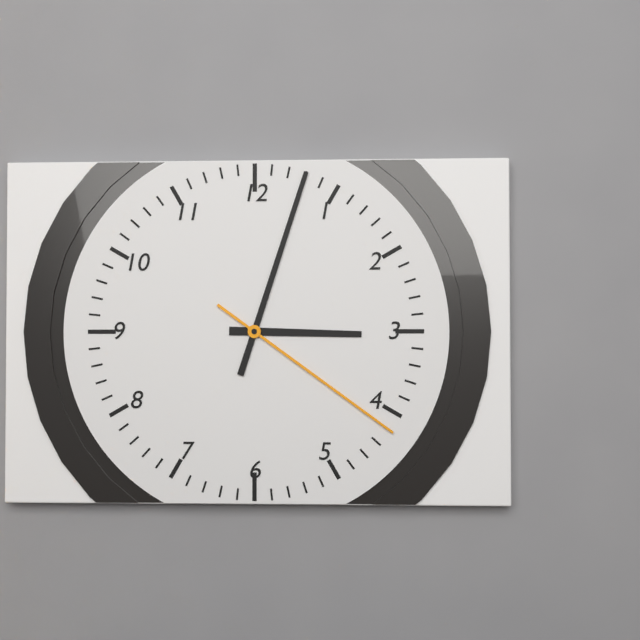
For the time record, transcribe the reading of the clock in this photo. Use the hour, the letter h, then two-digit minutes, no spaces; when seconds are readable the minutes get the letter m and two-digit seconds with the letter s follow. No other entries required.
3h03m21s
